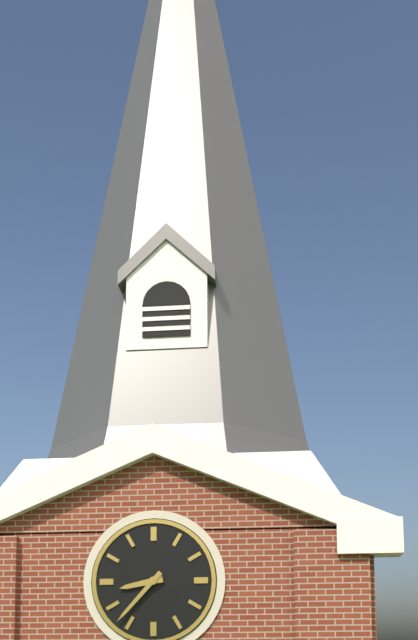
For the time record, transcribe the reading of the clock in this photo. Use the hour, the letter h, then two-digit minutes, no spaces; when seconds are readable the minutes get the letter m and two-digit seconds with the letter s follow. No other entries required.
8h37
